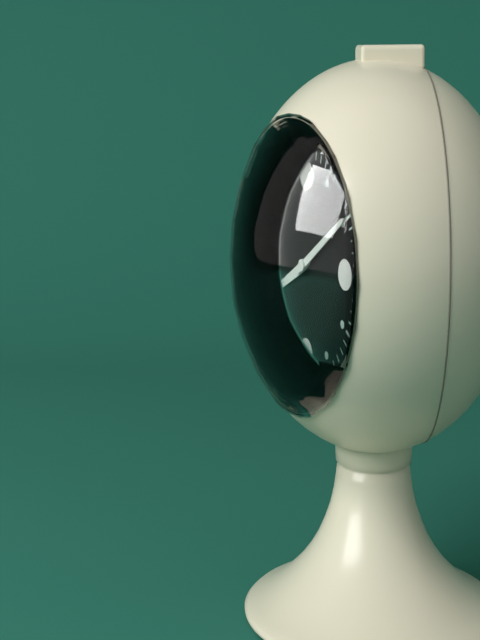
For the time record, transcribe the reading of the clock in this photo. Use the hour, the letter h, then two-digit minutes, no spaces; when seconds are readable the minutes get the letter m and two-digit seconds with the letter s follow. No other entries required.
8h10
